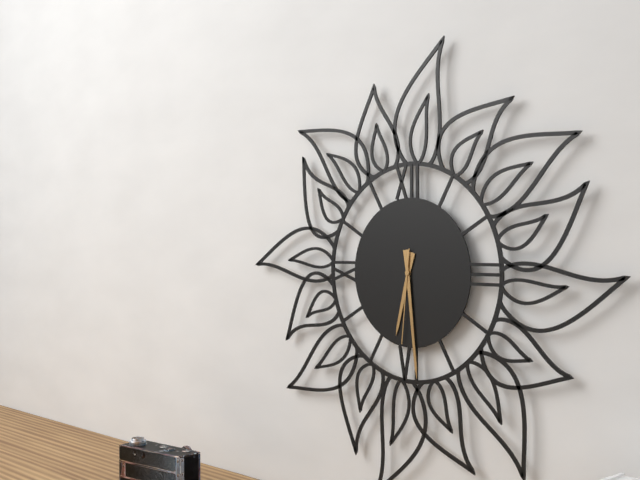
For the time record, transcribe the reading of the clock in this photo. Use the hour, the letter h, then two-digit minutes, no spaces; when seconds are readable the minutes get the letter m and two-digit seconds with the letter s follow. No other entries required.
6h29m31s
